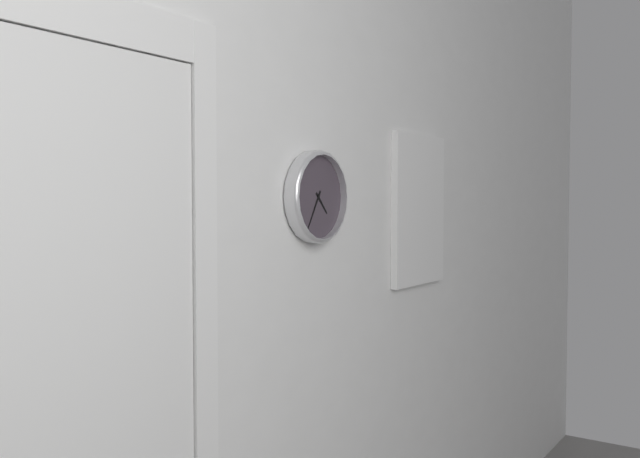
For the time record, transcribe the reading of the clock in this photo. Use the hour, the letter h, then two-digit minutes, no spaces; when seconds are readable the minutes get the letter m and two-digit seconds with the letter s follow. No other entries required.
4h35
